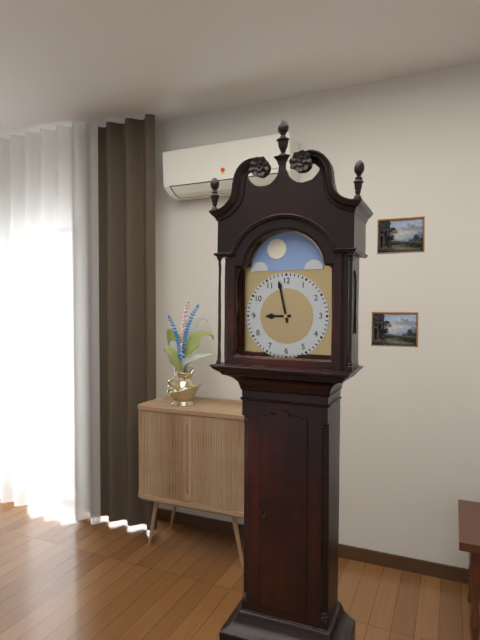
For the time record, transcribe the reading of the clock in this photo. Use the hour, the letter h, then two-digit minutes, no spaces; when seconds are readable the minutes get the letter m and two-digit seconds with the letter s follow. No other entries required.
8h58
